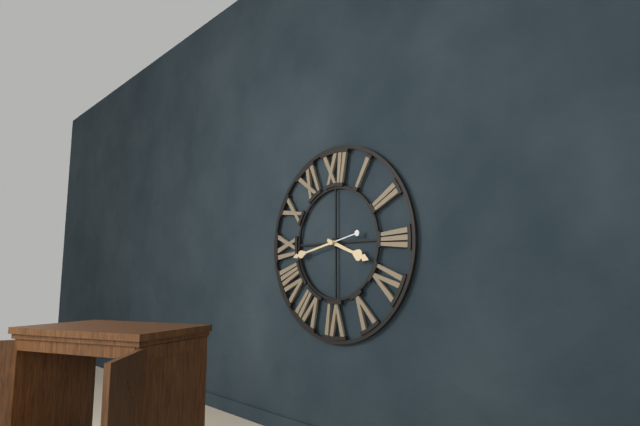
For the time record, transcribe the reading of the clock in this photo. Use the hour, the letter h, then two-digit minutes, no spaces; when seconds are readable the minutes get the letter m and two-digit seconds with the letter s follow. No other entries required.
3h43
